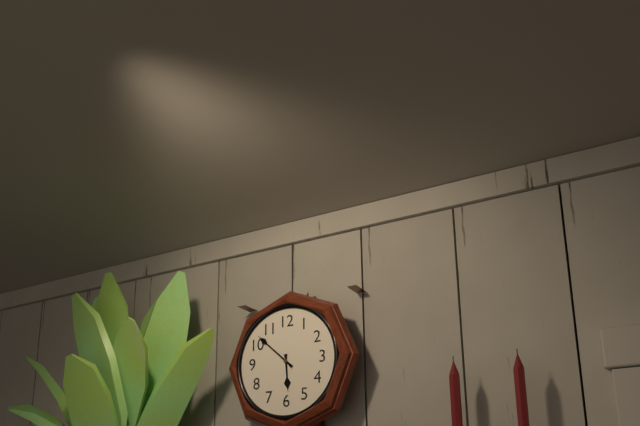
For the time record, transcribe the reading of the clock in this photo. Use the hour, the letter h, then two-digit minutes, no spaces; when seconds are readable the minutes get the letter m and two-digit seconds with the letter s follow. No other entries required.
5h52
